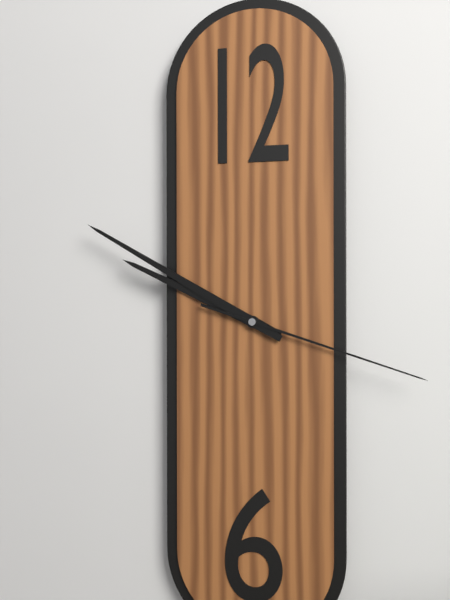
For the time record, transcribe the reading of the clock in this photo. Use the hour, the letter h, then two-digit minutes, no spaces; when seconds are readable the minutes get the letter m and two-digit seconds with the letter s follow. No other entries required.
9h50m18s
